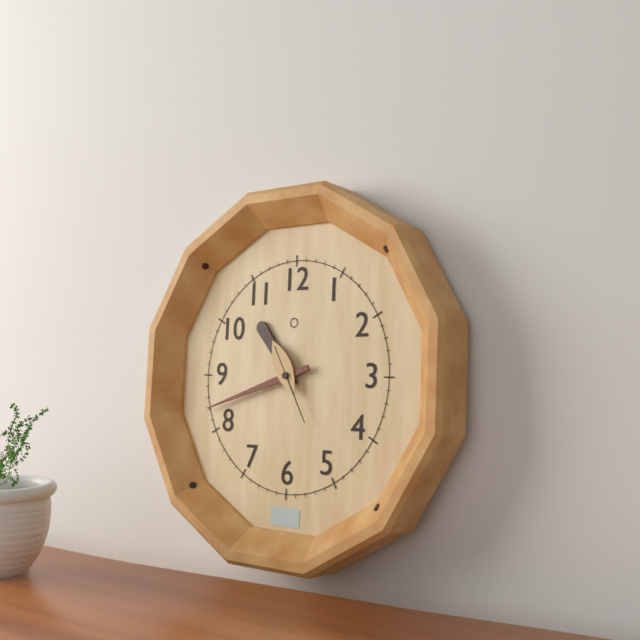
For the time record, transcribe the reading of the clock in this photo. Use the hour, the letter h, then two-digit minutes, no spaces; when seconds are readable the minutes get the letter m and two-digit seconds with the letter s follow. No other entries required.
10h42m25s
